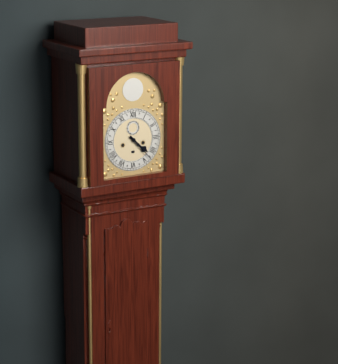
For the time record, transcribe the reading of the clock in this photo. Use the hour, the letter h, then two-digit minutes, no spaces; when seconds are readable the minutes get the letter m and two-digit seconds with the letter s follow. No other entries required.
4h23
